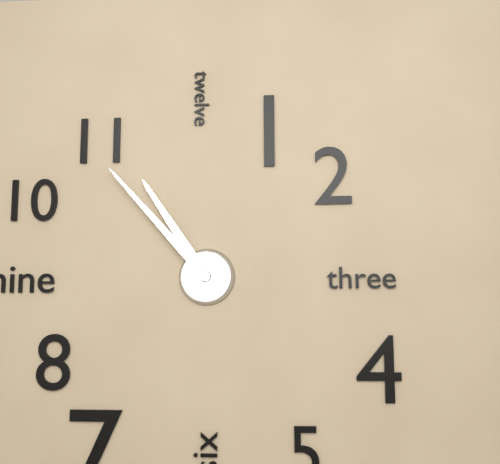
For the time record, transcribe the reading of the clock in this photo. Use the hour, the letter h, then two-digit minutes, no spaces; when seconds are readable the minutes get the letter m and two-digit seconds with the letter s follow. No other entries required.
10h53
